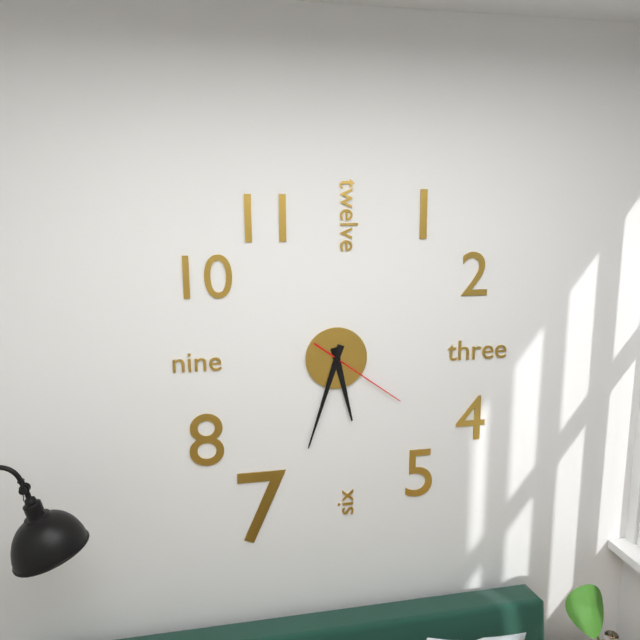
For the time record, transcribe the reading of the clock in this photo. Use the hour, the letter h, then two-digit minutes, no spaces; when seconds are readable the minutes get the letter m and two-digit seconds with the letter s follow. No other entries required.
5h33m21s
